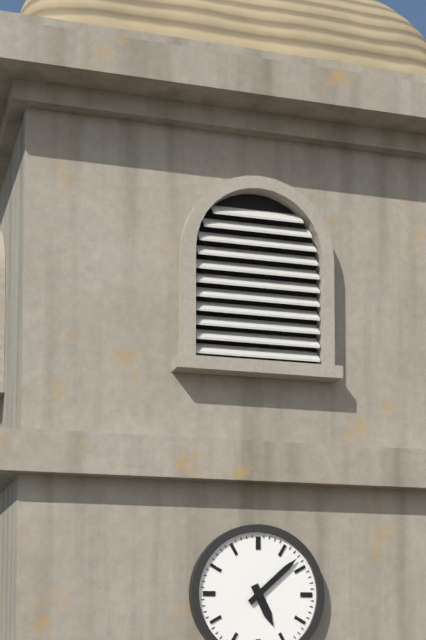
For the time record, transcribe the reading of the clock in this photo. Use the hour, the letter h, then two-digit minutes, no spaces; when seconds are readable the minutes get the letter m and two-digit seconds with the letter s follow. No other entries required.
5h08
